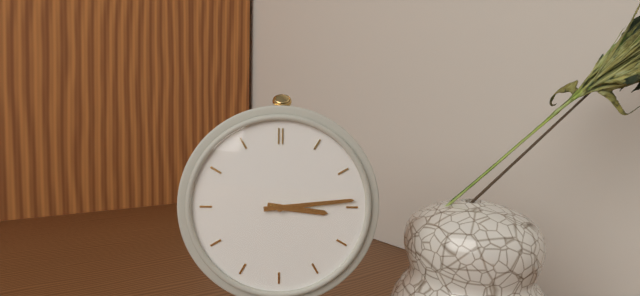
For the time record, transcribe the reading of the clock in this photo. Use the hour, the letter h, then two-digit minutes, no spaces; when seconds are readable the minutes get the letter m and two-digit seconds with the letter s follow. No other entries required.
3h14
